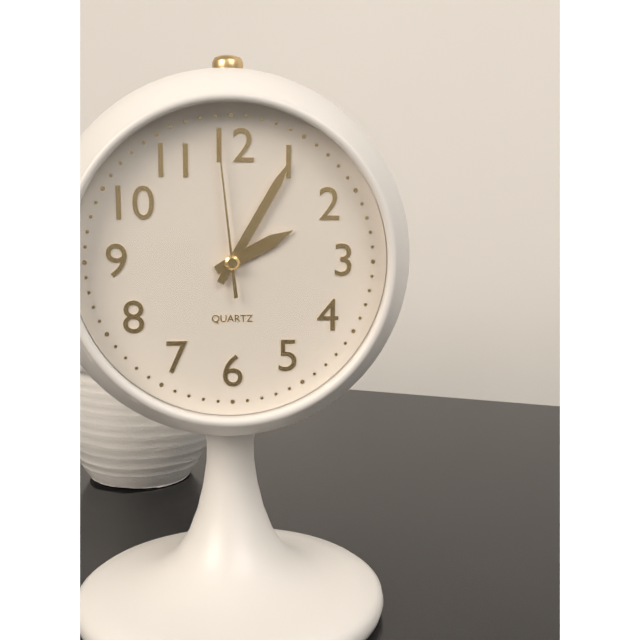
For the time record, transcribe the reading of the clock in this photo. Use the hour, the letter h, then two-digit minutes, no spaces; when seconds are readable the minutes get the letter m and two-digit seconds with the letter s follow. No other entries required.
2h05m59s
